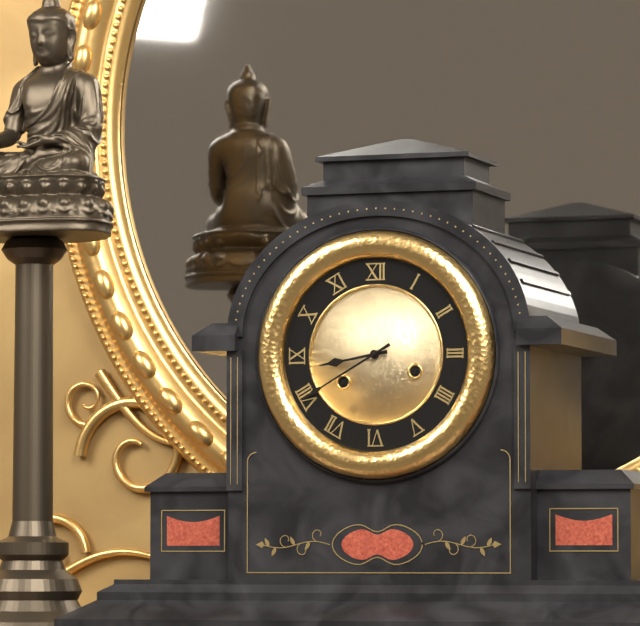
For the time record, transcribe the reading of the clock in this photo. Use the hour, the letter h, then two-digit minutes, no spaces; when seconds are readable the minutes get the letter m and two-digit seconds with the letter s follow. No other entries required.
8h40
